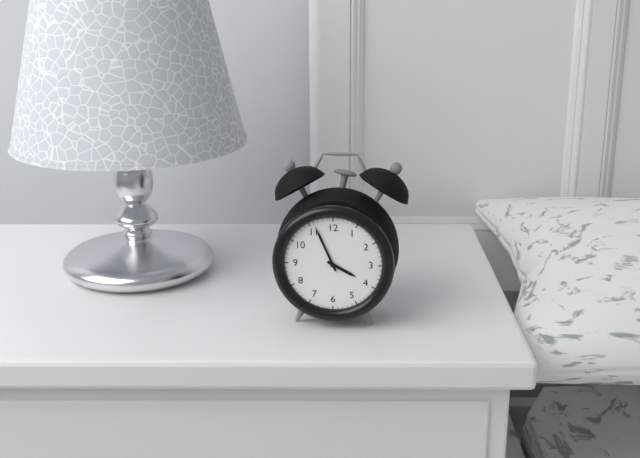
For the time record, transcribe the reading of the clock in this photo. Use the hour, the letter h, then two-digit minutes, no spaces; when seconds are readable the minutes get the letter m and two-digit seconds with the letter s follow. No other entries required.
3h56
